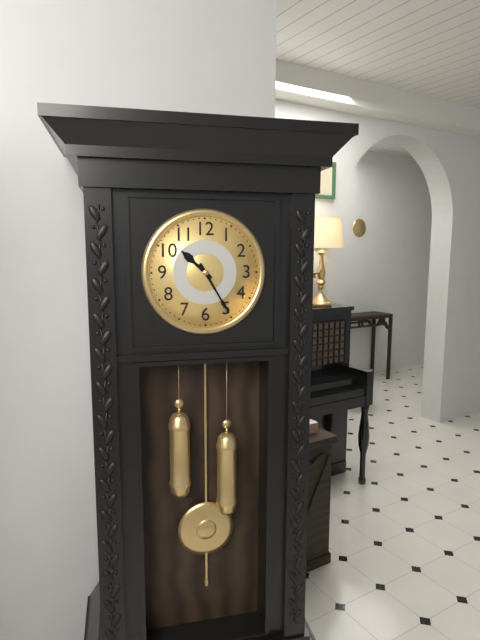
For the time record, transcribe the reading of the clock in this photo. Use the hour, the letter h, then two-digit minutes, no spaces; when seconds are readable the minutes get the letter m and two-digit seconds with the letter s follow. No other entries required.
10h25
